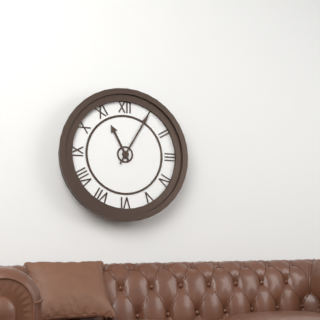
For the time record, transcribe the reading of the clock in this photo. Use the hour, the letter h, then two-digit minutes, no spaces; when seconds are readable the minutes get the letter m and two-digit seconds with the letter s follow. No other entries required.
11h05
